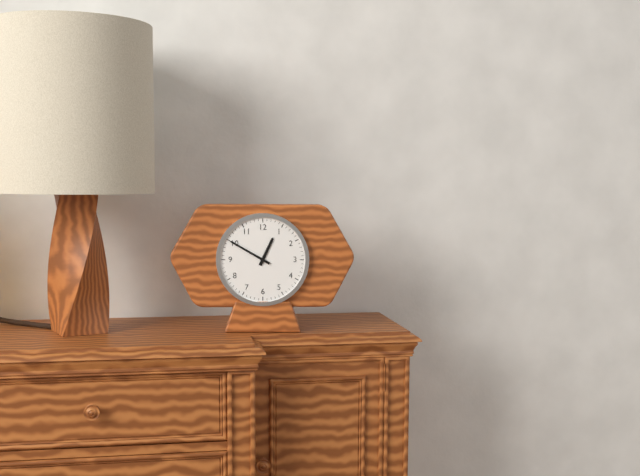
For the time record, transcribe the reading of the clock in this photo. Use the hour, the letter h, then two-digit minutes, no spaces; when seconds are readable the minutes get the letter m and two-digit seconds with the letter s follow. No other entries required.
12h50
